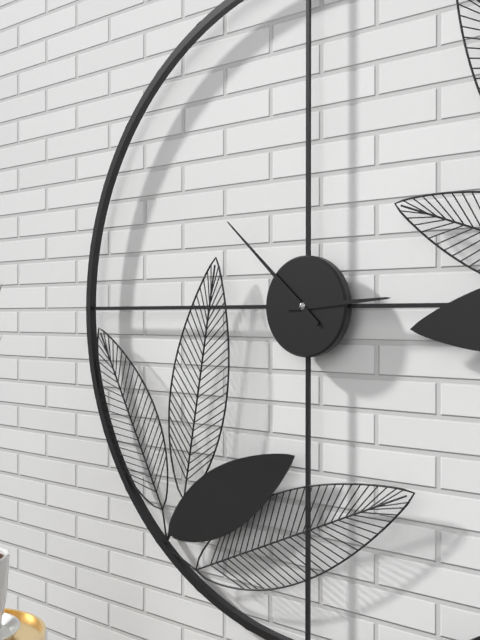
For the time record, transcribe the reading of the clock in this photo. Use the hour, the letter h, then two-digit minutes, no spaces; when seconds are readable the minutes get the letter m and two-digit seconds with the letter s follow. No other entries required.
2h52
